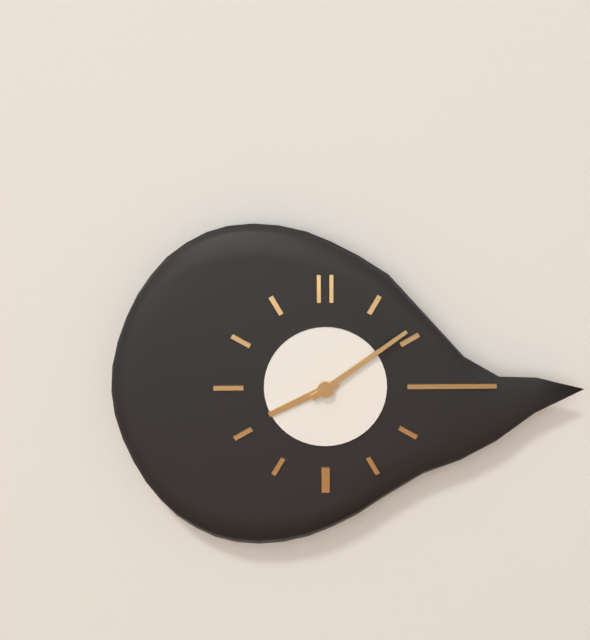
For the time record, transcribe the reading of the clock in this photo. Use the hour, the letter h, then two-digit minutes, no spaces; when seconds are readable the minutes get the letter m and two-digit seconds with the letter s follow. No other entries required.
8h09
